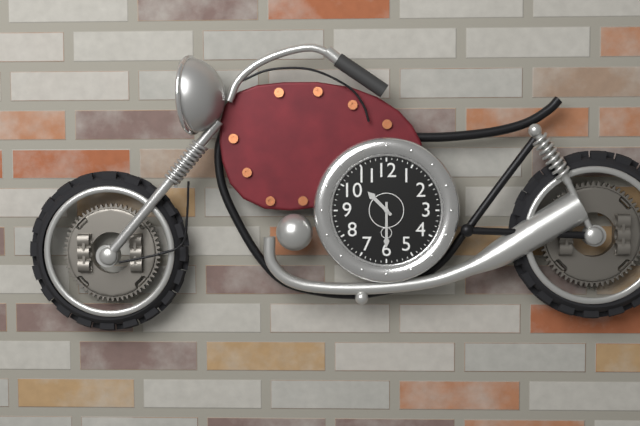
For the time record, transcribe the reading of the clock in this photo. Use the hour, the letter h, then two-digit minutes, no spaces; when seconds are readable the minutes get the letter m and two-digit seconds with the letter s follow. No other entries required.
10h30
